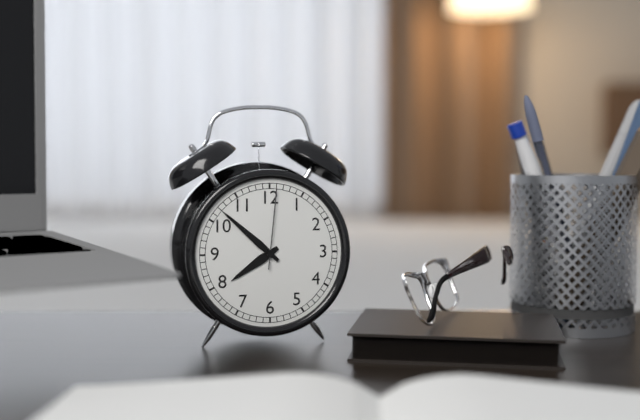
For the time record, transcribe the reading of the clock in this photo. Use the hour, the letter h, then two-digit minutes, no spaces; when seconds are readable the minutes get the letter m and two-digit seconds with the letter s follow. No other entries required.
7h52m01s
